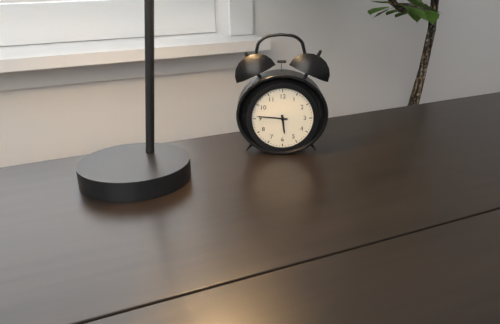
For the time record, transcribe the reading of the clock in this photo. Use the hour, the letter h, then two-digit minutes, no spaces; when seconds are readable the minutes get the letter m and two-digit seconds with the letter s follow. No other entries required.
5h46
